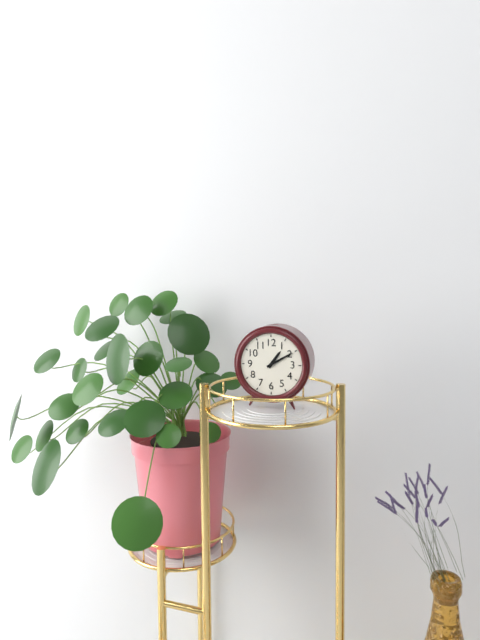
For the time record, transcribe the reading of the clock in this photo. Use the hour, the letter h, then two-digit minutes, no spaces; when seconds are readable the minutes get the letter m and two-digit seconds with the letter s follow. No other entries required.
1h10
